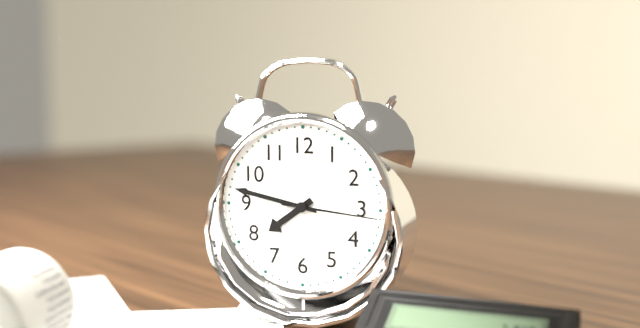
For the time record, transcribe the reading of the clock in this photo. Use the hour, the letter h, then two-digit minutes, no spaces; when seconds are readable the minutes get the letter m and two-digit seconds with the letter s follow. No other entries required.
7h47m16s
